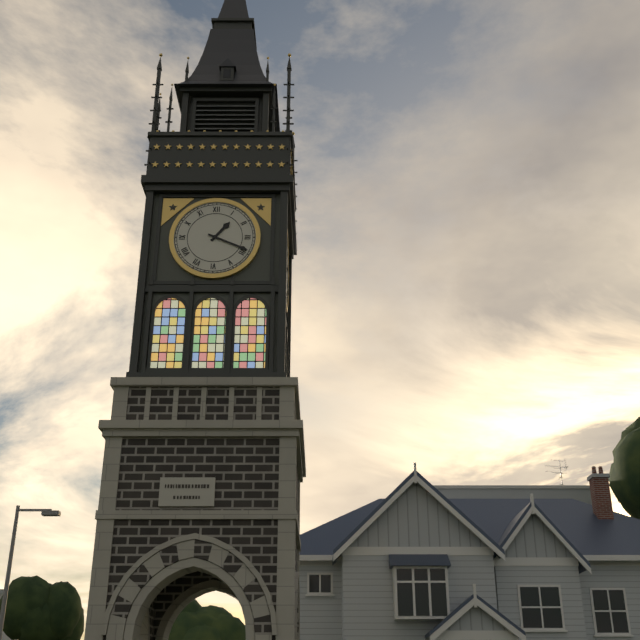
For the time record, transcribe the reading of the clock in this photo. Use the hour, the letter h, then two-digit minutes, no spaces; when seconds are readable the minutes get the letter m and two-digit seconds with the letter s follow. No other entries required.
1h19
